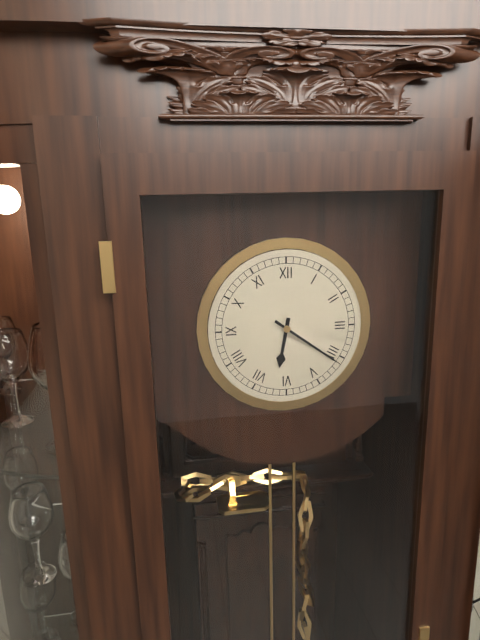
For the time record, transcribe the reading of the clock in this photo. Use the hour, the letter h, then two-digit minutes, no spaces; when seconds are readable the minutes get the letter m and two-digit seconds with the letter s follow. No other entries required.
6h21
